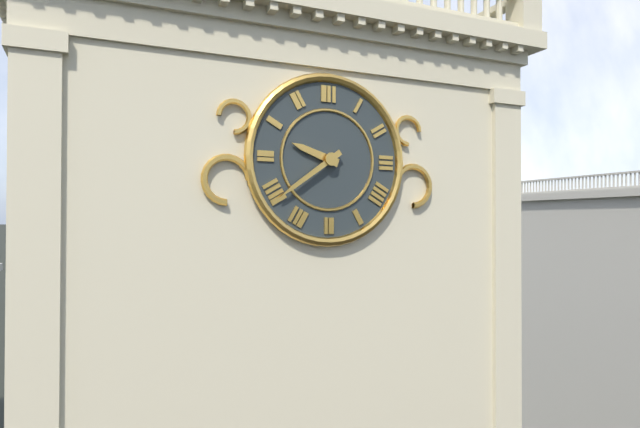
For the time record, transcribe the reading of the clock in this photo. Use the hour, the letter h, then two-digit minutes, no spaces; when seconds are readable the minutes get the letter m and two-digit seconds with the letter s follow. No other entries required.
9h39
